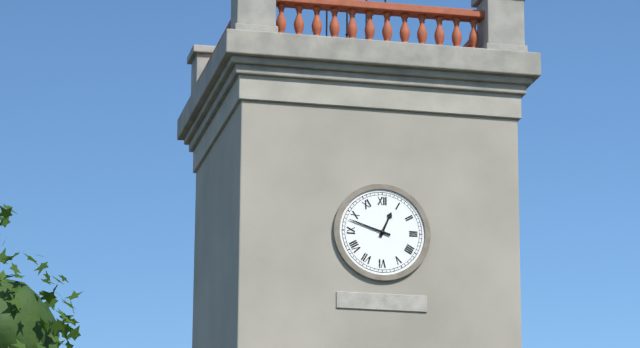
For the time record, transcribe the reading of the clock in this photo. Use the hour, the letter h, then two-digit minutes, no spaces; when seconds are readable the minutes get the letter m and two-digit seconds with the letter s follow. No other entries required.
12h48
